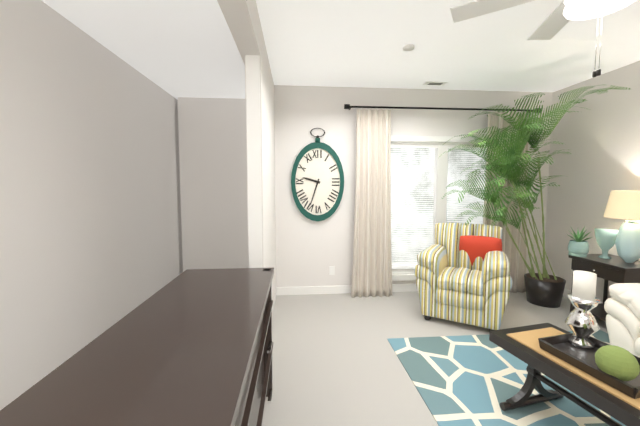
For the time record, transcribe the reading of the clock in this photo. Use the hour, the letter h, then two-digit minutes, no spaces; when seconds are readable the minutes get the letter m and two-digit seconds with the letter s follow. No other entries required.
9h33
